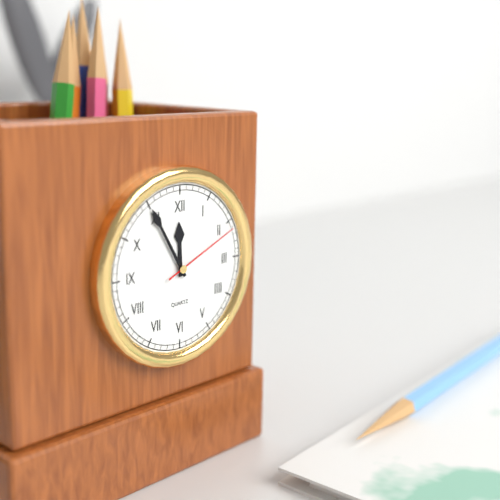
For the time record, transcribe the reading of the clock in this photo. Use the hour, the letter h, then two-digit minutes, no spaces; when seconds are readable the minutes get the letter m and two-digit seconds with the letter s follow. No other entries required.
11h55m11s
